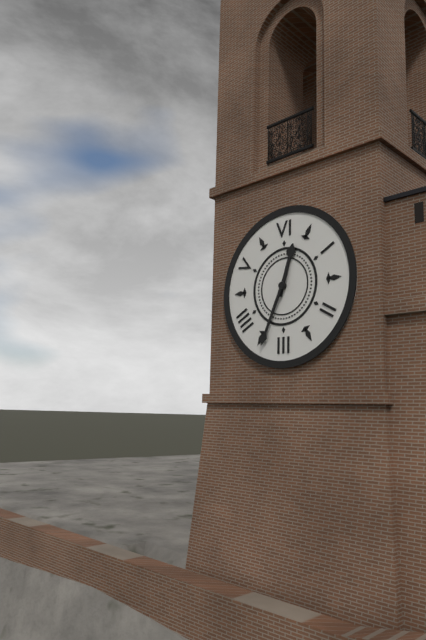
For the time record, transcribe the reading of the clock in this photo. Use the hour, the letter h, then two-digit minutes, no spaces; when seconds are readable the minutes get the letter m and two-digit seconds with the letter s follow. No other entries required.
12h34
